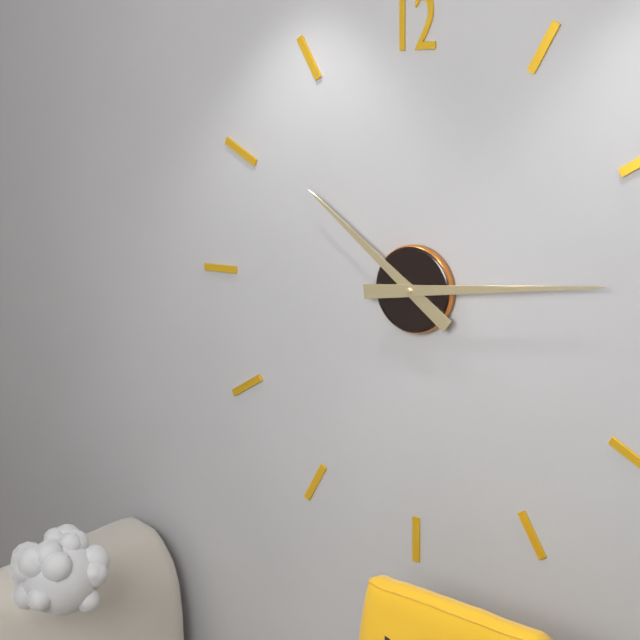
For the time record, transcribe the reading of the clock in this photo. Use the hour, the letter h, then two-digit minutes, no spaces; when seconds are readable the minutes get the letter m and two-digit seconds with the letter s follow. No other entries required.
10h14
